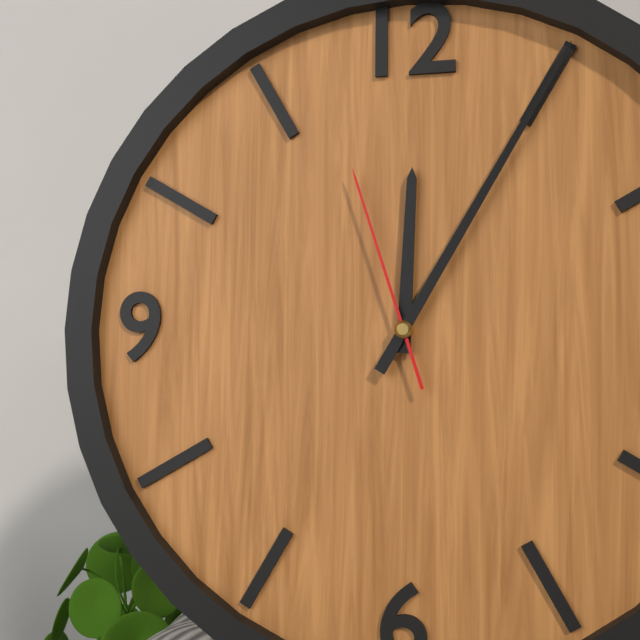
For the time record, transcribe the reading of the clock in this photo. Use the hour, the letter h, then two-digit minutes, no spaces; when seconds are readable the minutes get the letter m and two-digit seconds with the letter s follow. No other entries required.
12h05m57s
